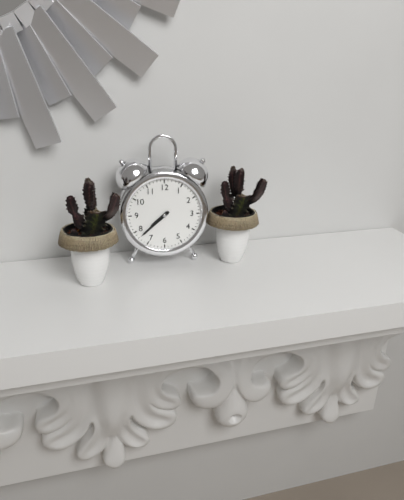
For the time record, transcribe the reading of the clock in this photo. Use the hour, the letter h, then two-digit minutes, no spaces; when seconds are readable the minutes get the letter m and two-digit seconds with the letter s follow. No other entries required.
7h38
